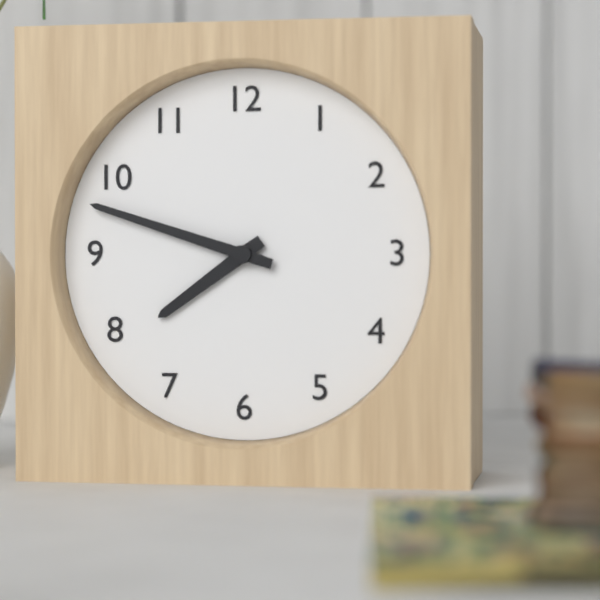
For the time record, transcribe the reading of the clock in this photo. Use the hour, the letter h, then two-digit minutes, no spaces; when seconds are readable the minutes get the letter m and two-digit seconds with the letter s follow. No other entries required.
7h48
